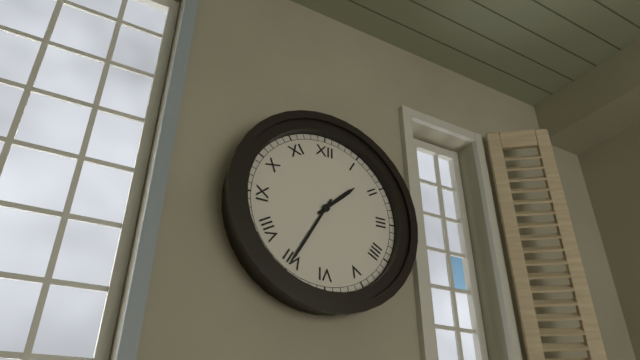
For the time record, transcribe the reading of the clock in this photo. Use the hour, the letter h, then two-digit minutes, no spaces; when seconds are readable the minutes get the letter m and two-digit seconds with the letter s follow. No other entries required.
1h35
